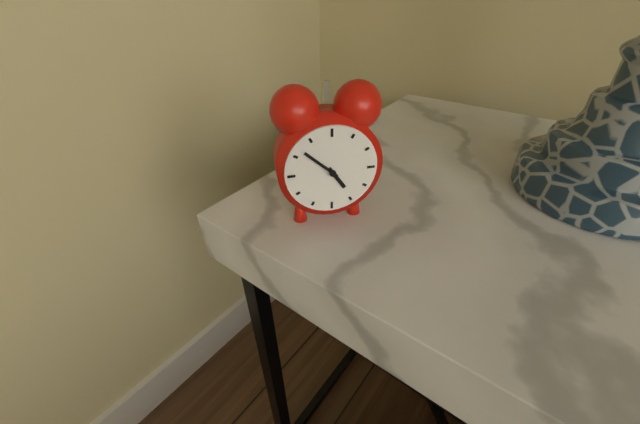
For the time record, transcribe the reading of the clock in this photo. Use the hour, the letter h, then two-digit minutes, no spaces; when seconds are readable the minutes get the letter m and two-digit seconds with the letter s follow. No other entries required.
4h52
